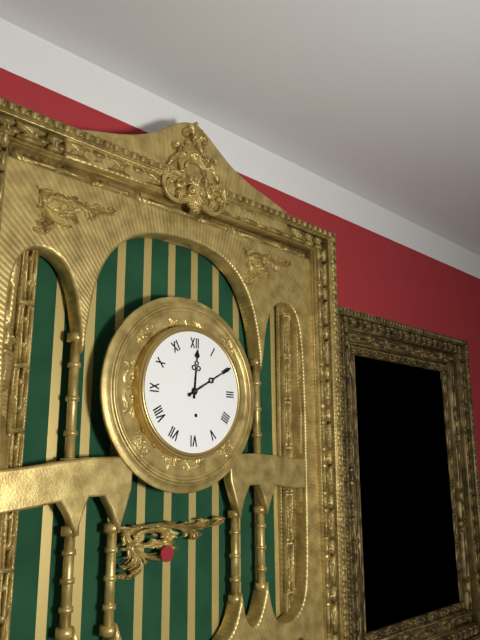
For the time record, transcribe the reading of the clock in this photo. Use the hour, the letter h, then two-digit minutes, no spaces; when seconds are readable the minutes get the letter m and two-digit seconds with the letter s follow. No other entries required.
12h10
